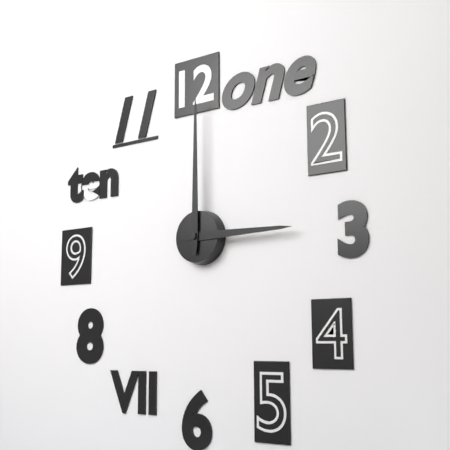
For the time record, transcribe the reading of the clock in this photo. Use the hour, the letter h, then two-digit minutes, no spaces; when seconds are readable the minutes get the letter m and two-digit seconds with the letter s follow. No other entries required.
3h00
